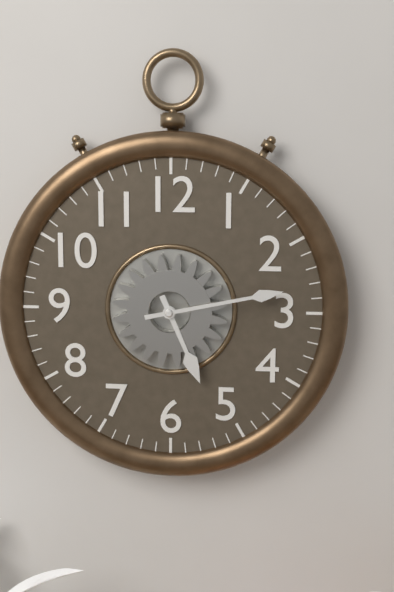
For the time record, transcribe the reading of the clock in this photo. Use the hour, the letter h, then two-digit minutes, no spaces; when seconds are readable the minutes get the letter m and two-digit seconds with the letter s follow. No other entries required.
5h13
